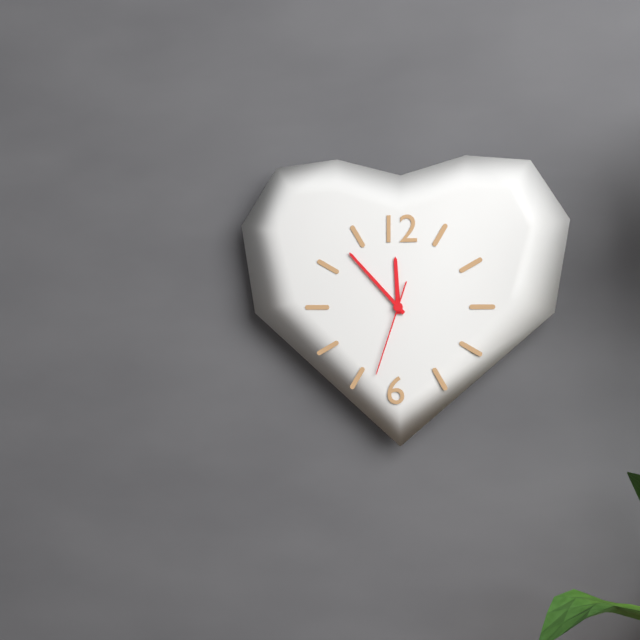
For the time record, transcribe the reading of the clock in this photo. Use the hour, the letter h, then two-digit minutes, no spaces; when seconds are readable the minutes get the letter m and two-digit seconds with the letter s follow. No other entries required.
11h53m33s
